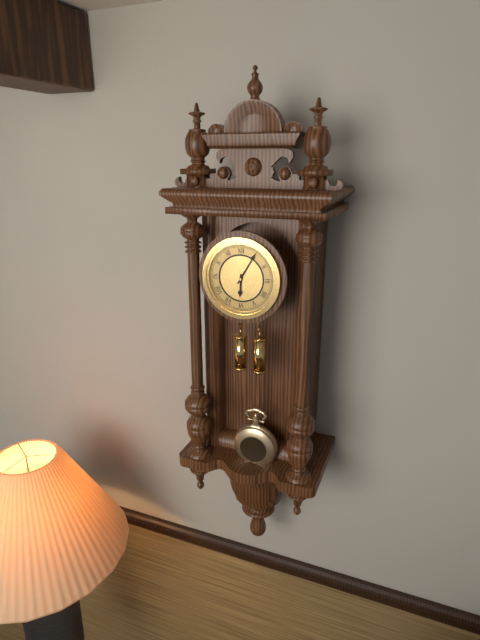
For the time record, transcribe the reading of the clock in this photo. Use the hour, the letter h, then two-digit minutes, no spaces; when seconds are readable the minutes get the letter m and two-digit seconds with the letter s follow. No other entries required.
6h05
